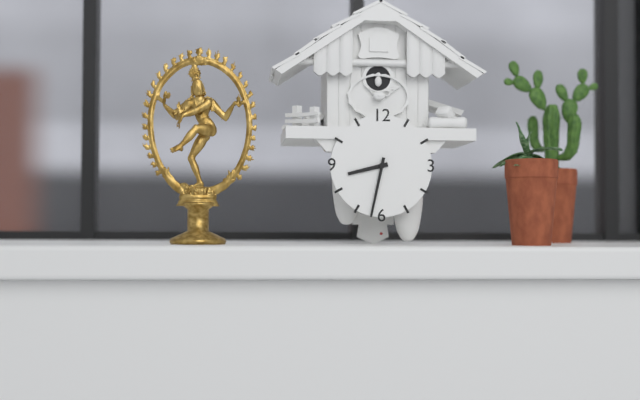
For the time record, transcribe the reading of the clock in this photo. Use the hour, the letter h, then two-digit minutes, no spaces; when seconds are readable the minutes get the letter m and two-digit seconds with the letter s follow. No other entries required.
8h32
